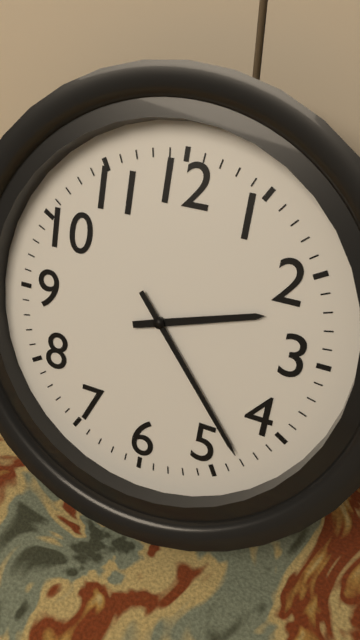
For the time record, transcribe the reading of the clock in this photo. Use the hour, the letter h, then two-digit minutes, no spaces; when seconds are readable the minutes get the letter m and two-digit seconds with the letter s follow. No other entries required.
2h23
